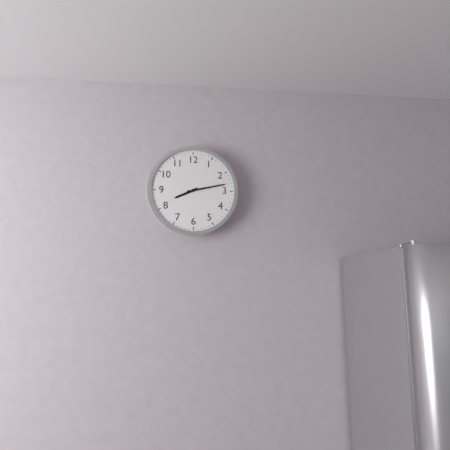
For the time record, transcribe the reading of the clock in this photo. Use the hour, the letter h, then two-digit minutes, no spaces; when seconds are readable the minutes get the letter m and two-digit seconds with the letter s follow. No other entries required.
8h13
